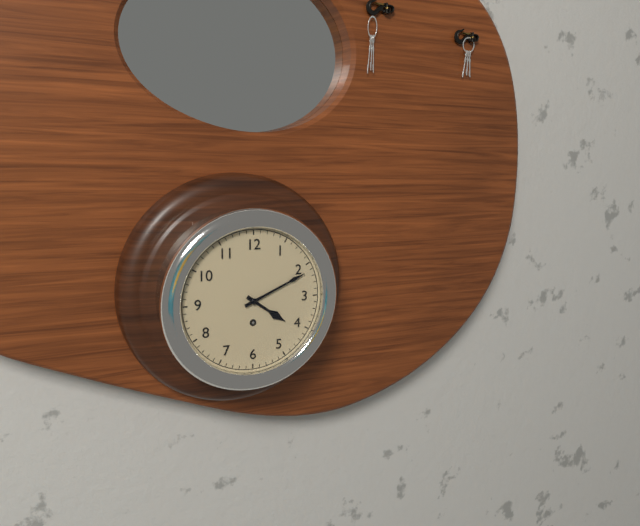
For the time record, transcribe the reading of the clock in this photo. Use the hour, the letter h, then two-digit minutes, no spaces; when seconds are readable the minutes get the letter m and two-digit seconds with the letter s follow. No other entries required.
4h11
